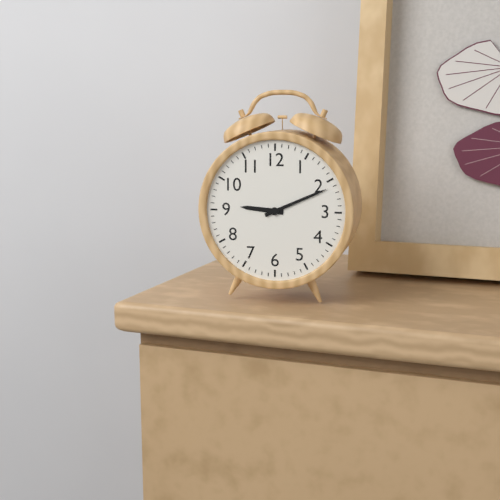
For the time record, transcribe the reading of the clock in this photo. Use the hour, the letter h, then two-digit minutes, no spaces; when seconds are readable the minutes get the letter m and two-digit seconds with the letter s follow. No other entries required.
9h11
